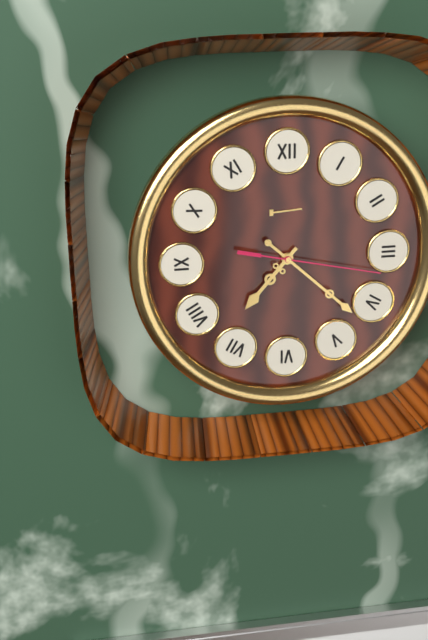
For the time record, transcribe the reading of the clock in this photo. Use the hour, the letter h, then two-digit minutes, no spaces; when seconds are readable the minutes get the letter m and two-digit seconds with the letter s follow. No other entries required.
7h22m17s
